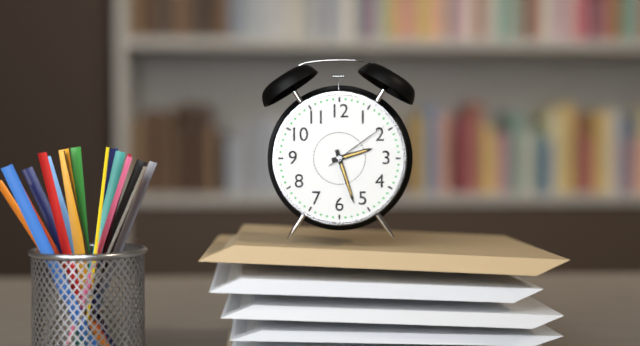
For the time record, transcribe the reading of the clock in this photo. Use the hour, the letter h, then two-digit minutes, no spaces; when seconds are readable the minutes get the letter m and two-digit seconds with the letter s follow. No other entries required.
2h27m09s
